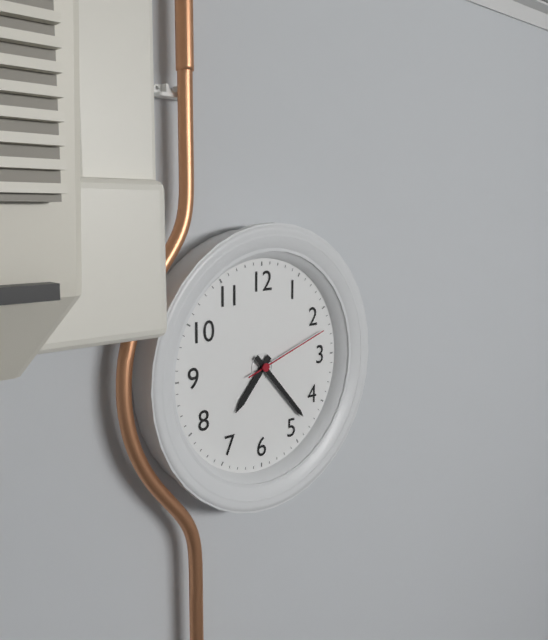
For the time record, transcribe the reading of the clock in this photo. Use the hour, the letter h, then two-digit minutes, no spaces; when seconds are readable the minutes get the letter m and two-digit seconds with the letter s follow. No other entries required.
7h23m12s
